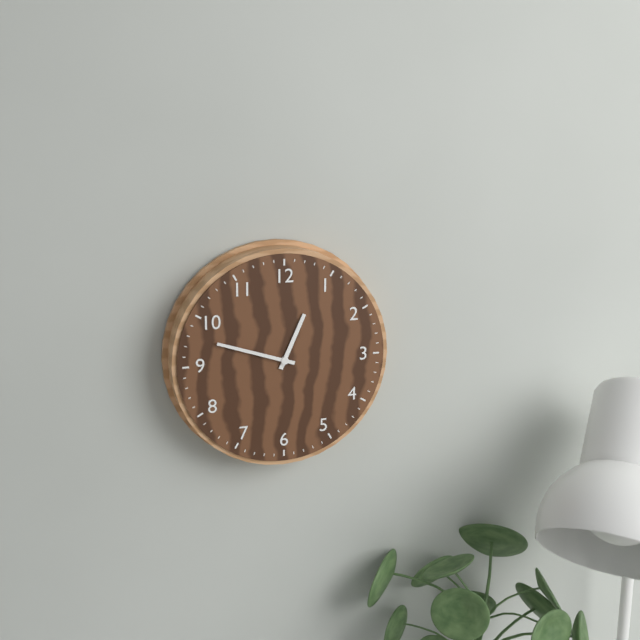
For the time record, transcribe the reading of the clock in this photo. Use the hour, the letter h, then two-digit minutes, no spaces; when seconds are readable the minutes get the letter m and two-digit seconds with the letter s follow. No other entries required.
12h48
